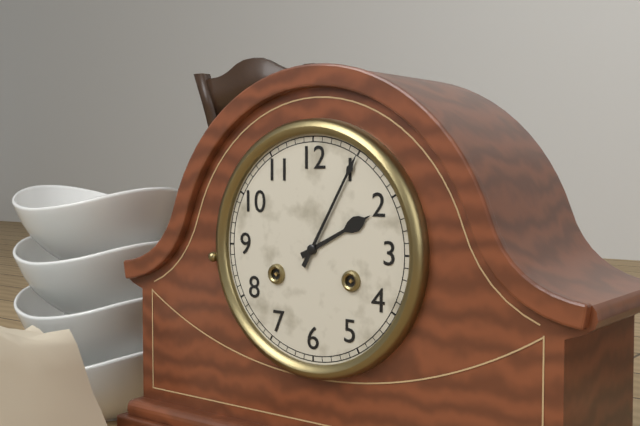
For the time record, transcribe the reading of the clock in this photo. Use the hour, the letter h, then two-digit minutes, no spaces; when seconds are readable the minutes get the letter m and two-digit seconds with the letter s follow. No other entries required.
2h05
